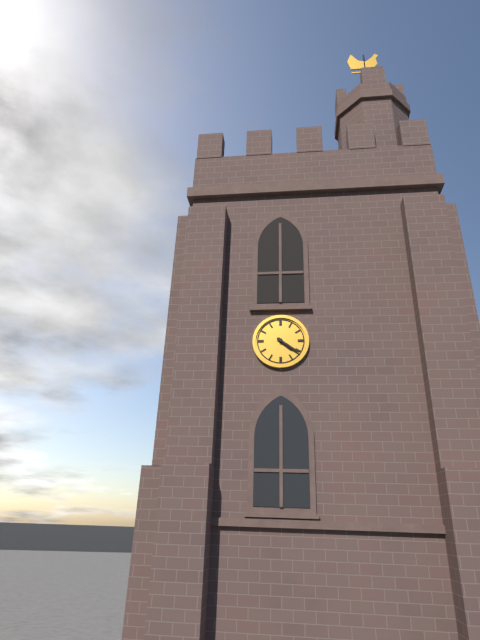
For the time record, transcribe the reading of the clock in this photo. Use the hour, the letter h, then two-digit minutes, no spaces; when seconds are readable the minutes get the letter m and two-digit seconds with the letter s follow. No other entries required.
4h21
